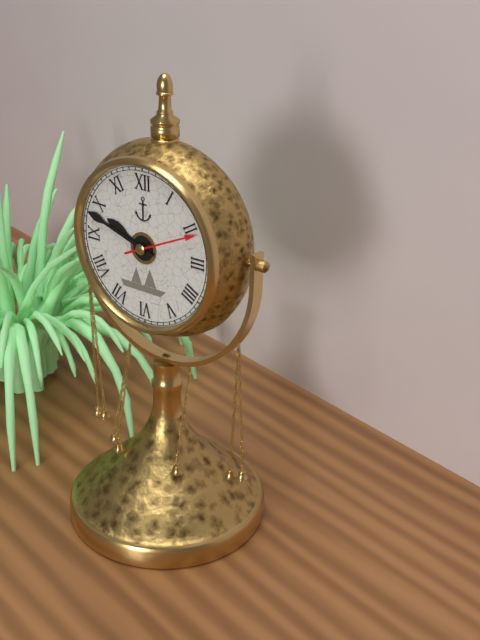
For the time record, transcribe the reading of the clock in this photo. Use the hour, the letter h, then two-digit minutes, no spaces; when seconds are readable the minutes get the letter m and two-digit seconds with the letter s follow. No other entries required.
9h48
